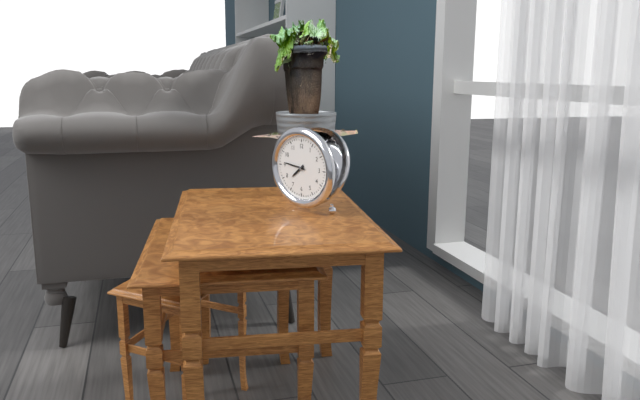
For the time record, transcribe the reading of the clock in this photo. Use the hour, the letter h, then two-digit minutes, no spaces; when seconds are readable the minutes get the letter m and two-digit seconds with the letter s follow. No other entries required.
7h46
